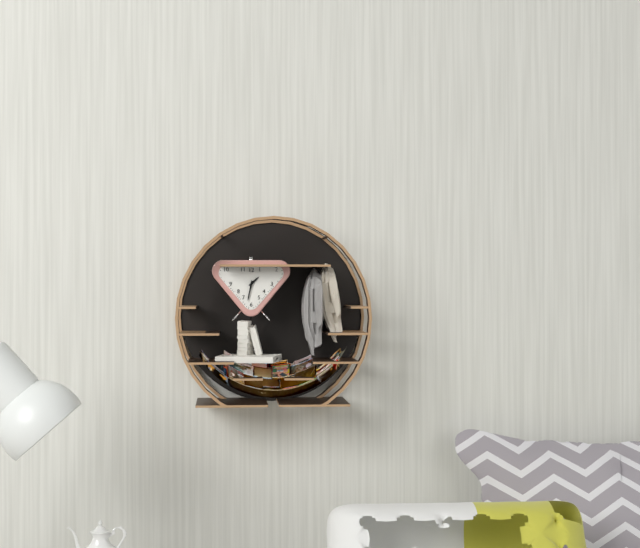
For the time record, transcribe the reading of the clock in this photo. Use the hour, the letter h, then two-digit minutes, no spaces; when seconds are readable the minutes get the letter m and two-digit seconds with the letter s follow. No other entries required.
1h32
